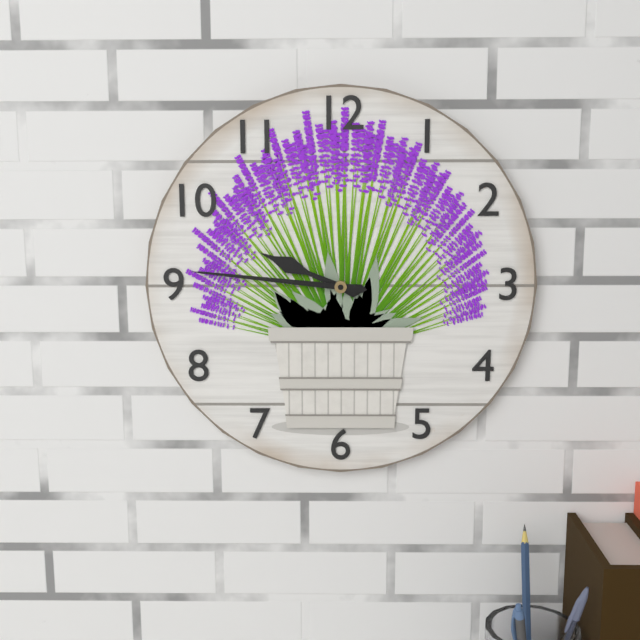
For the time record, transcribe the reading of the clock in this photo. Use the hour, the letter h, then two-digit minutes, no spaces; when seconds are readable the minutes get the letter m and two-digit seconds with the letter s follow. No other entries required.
9h46
